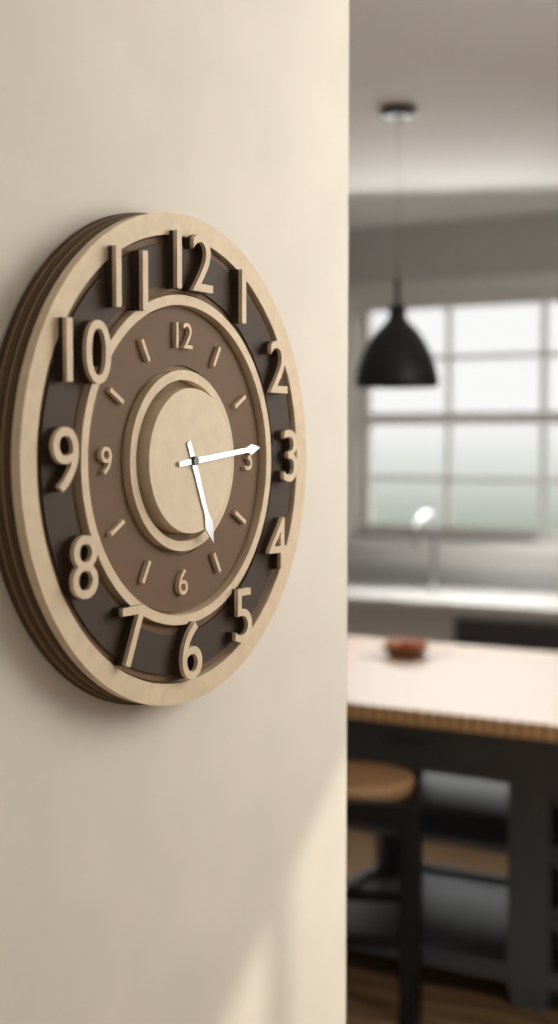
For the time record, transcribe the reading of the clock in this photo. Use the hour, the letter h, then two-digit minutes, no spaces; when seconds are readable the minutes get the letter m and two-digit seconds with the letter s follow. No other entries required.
5h14
